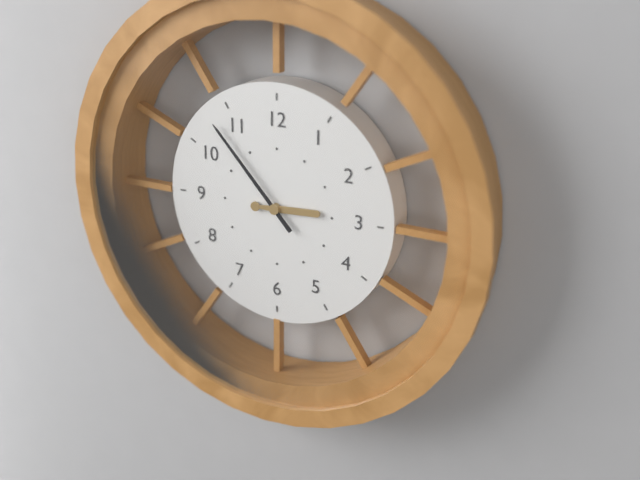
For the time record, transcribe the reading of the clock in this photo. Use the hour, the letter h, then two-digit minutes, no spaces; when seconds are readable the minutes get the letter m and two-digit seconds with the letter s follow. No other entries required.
2h53
